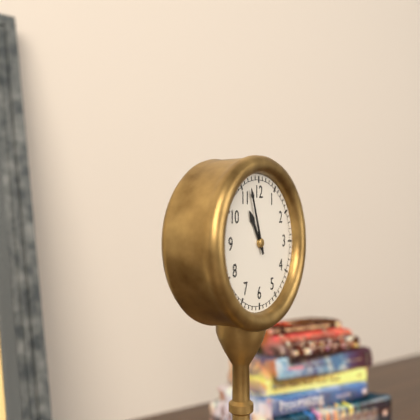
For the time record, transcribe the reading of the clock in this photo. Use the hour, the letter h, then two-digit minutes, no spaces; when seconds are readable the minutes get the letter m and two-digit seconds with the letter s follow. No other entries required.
10h57
